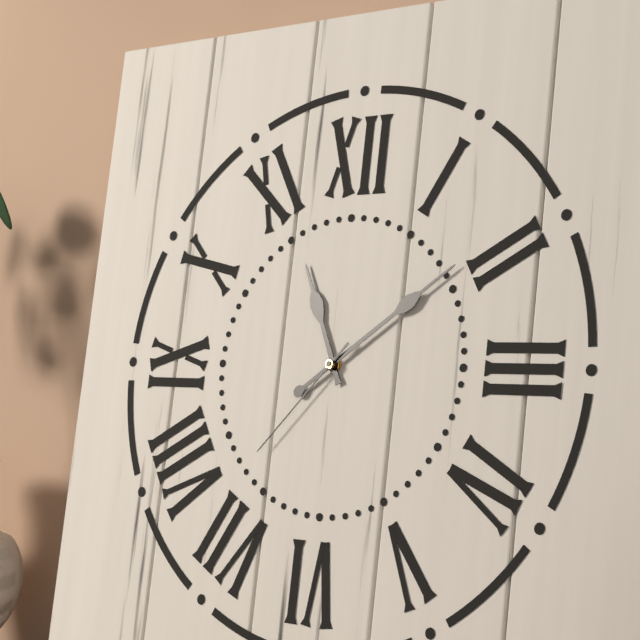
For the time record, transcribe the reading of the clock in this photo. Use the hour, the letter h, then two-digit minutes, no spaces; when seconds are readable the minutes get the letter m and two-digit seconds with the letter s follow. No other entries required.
11h09m37s
